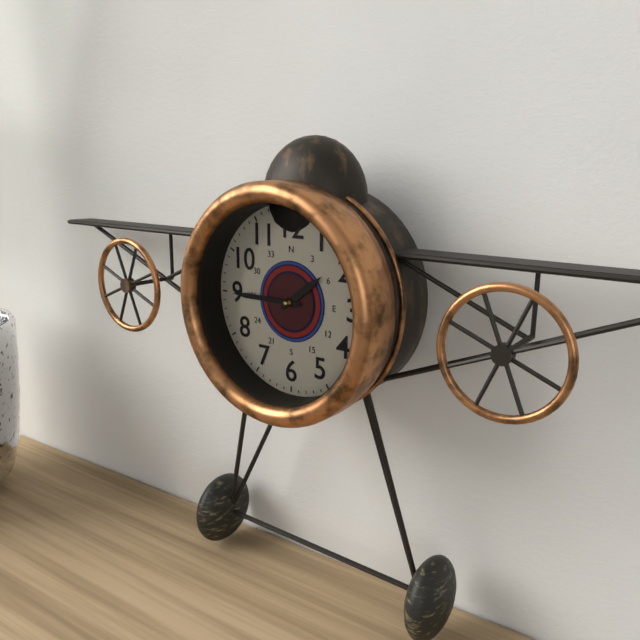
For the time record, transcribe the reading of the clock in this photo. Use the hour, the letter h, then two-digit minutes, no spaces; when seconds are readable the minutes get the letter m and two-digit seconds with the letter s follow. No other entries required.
1h45
